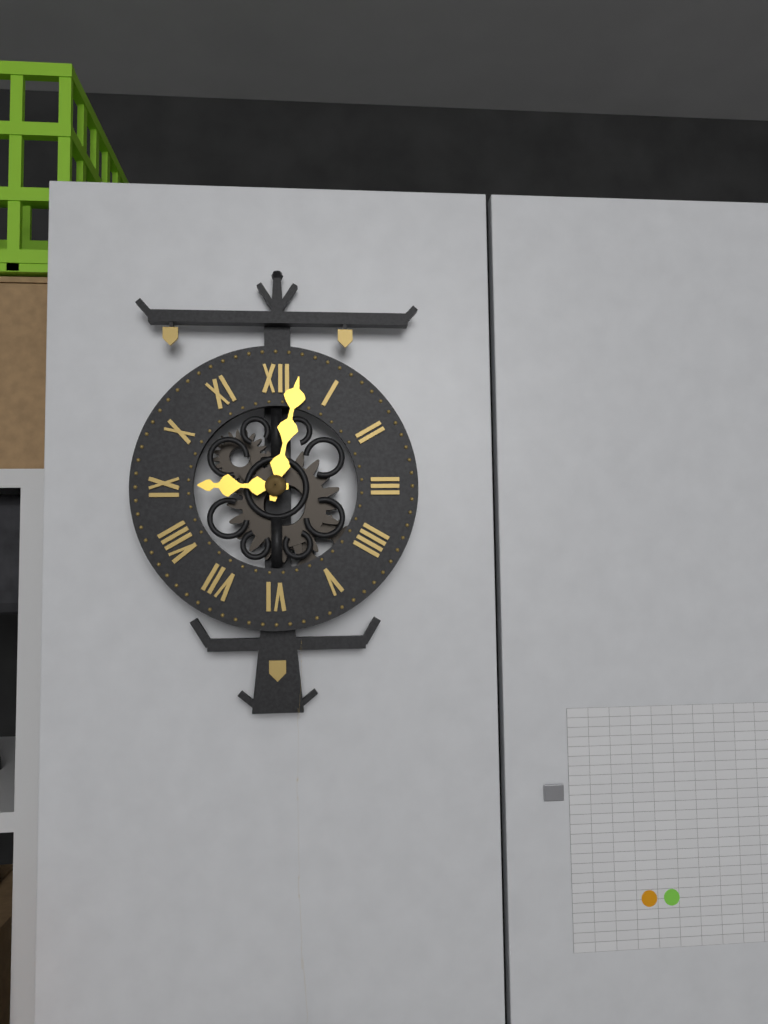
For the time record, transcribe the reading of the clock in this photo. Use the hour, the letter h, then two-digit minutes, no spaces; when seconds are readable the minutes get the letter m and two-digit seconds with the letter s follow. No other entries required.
9h02
